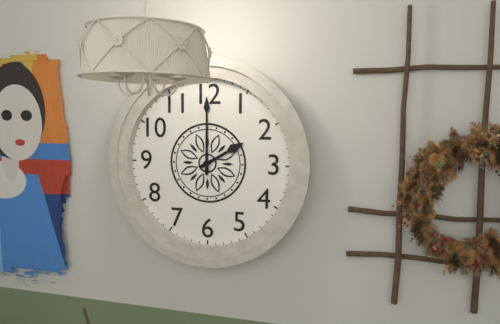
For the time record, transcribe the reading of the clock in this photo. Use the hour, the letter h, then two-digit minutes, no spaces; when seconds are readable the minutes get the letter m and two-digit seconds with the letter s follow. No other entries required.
2h00
